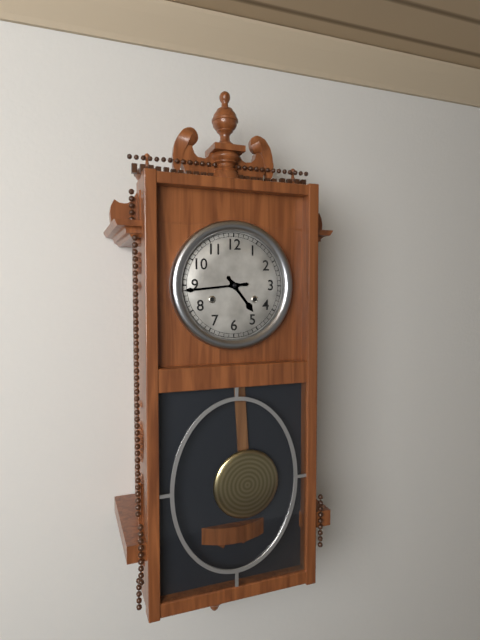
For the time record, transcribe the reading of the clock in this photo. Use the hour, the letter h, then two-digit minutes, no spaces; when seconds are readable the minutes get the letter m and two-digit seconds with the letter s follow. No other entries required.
4h44
